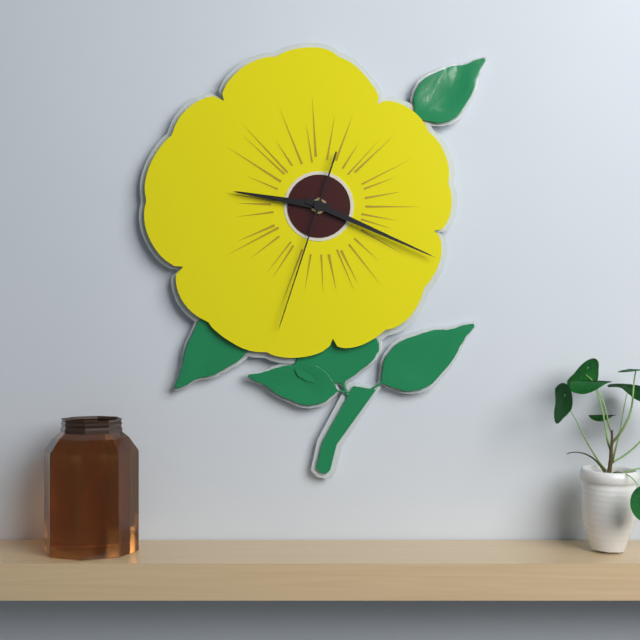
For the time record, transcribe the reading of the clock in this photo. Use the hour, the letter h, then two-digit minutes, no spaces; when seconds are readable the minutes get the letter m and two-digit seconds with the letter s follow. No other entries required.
9h19m33s
